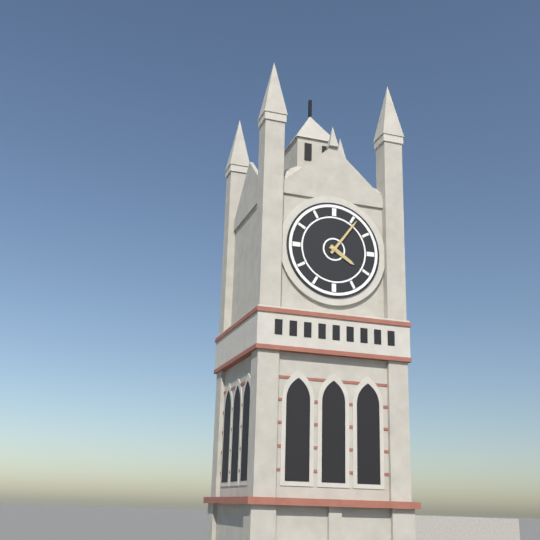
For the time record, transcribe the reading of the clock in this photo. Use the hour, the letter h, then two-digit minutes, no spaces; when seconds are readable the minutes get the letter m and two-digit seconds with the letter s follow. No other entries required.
4h06
